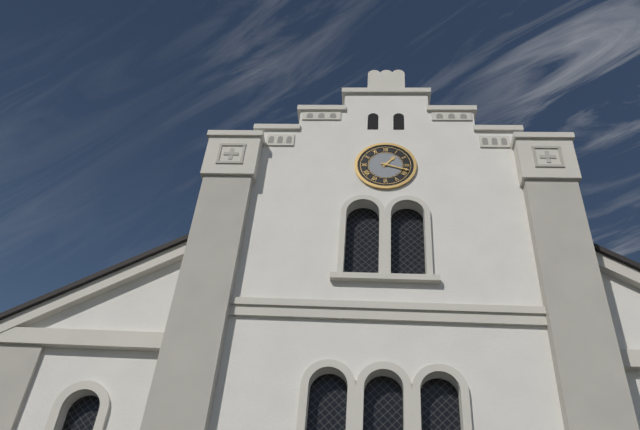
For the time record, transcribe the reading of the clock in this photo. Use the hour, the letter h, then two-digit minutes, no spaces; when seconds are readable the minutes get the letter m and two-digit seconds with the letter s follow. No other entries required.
1h18
